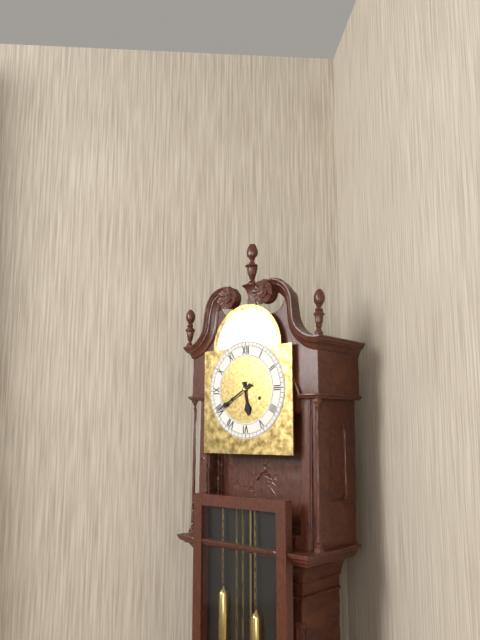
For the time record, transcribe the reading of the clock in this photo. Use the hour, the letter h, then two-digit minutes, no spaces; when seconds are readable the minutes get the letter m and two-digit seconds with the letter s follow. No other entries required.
5h40
